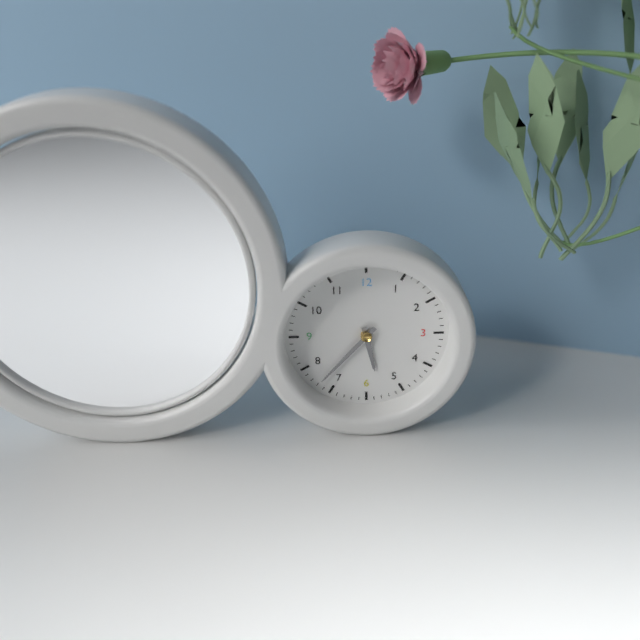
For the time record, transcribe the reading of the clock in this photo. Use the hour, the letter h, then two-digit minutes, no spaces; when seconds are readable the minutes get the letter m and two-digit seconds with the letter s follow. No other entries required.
5h37
